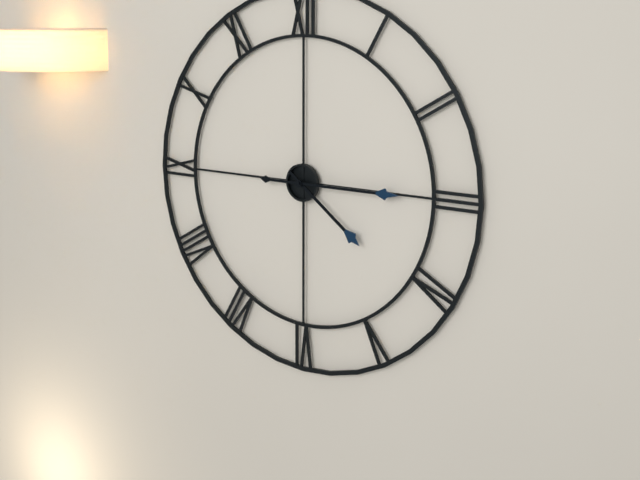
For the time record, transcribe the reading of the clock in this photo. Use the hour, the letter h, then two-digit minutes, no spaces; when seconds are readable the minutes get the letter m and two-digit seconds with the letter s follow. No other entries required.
4h15
